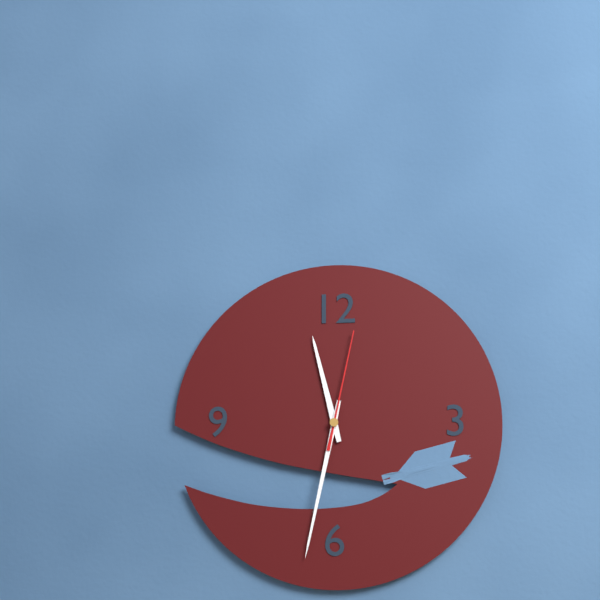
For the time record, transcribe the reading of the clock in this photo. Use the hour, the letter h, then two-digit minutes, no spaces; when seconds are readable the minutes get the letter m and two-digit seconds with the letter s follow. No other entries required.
11h32m02s
